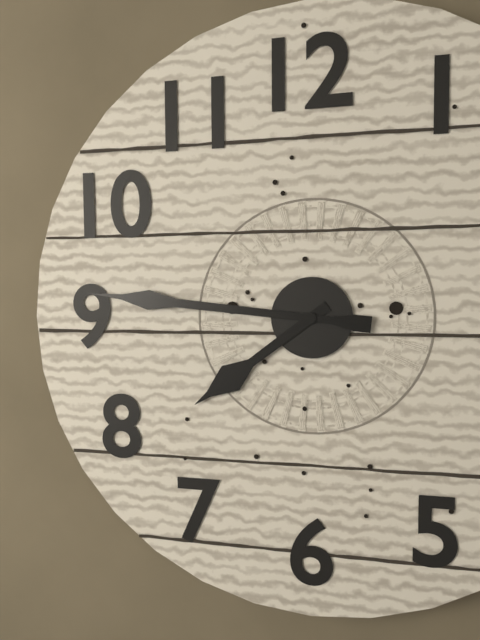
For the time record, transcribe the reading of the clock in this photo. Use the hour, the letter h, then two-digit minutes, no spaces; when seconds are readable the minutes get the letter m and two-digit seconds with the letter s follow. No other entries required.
7h46
